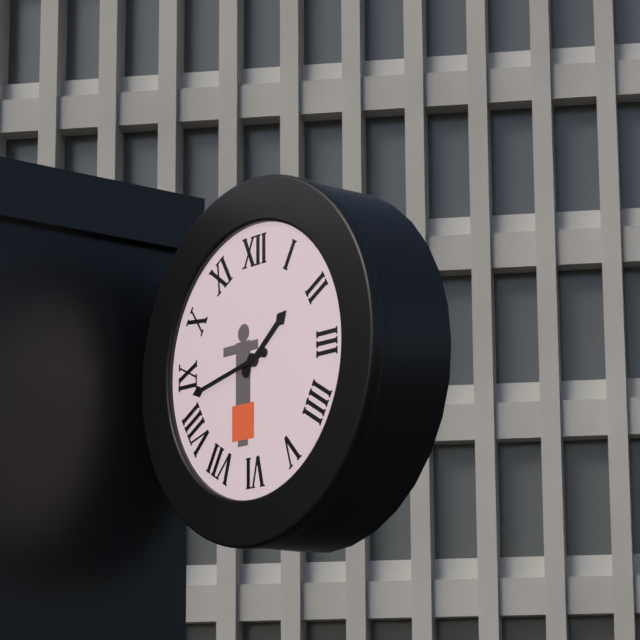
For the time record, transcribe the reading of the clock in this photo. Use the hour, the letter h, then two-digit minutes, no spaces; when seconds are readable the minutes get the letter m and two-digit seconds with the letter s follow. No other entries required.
1h43
